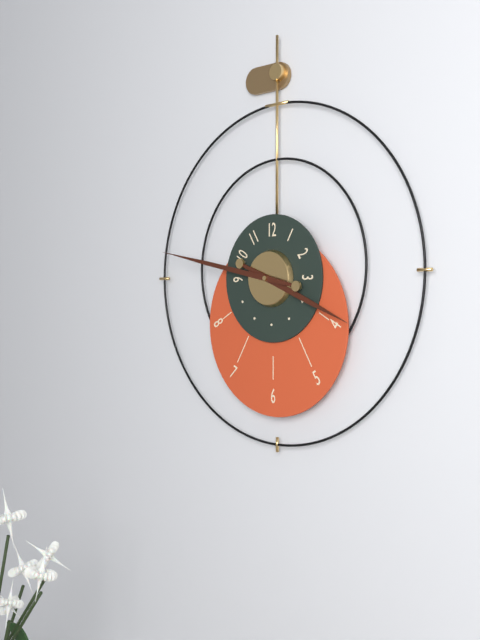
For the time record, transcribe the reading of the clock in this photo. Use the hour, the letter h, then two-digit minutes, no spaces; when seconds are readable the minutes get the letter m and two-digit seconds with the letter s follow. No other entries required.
3h47
